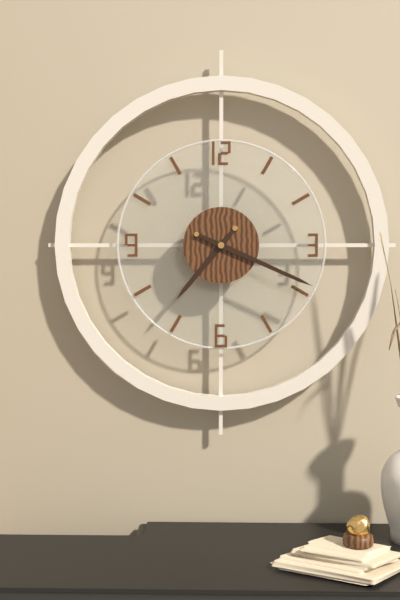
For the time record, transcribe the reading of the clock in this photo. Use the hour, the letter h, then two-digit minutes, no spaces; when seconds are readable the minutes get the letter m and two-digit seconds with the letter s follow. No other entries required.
7h19
